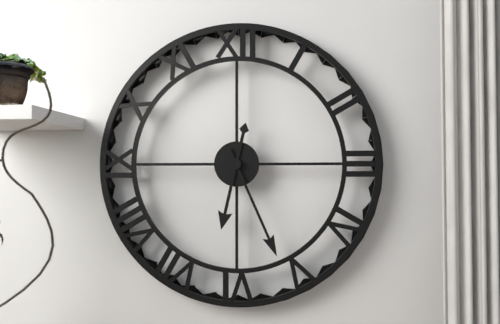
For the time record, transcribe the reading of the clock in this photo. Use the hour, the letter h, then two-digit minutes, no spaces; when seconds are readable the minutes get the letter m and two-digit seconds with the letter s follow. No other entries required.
6h26
